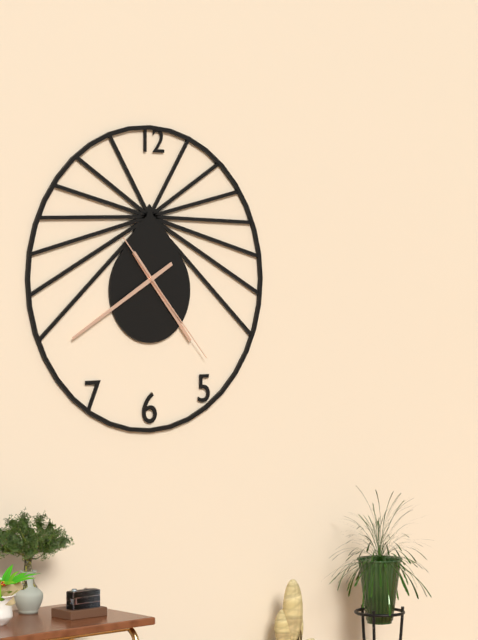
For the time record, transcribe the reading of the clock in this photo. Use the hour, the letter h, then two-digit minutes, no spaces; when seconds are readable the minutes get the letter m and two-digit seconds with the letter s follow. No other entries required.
4h40m23s
